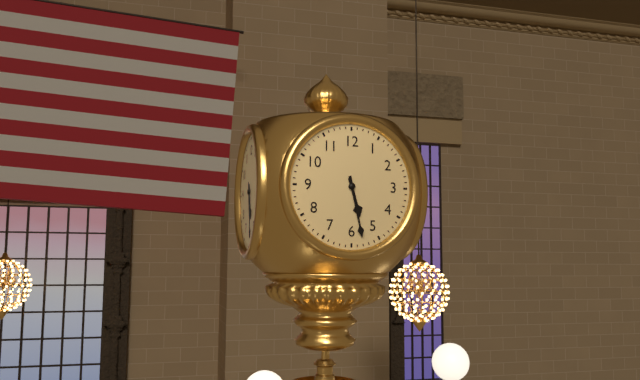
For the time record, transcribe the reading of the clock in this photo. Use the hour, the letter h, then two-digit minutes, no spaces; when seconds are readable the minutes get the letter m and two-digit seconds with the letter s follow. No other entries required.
5h28
